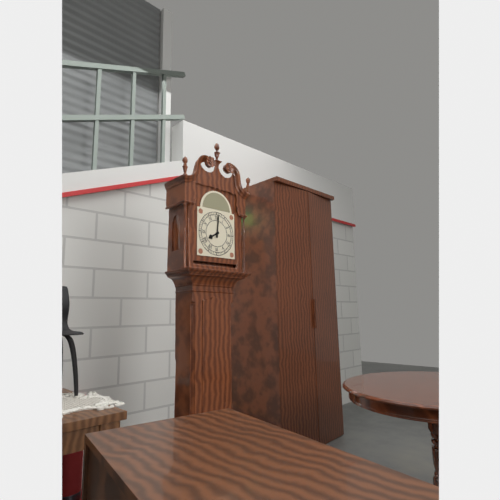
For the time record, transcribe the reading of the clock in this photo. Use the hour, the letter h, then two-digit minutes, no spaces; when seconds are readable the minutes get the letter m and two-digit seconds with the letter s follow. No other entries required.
8h01
